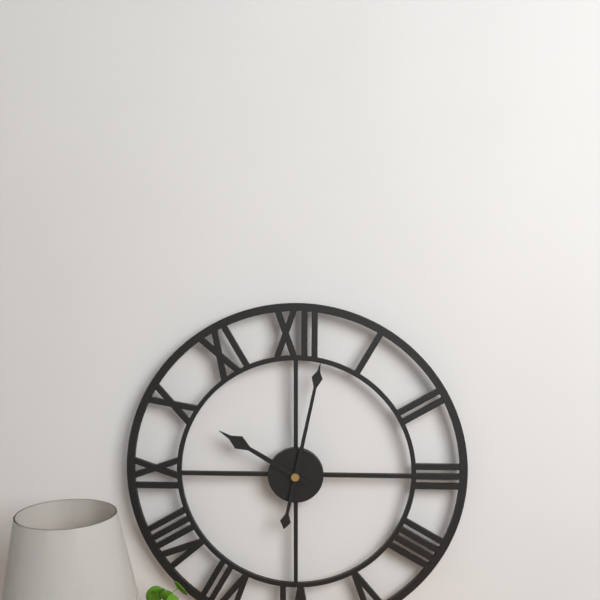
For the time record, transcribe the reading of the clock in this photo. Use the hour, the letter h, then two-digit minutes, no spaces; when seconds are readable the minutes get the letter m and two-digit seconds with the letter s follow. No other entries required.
10h02
